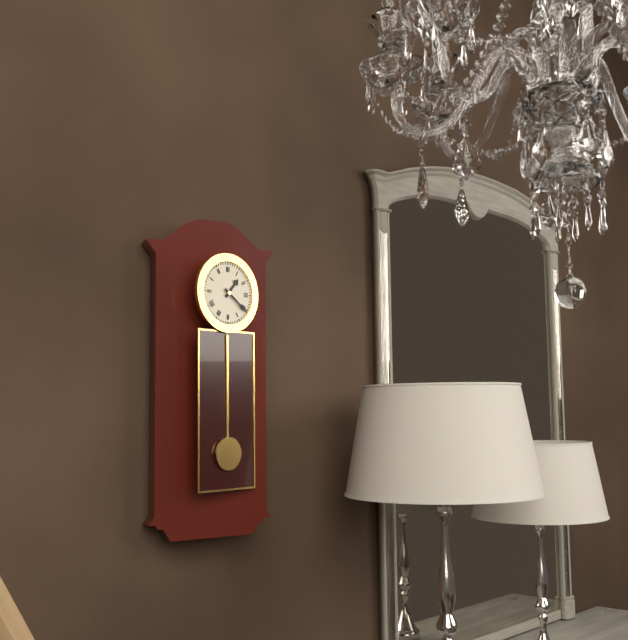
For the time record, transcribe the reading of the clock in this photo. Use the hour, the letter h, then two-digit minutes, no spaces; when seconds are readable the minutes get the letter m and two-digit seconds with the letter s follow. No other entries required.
1h21
